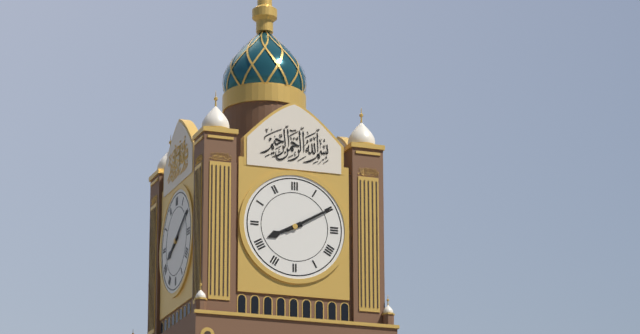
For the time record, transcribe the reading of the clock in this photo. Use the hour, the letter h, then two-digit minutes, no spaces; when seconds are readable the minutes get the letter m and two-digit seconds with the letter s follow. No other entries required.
8h10
